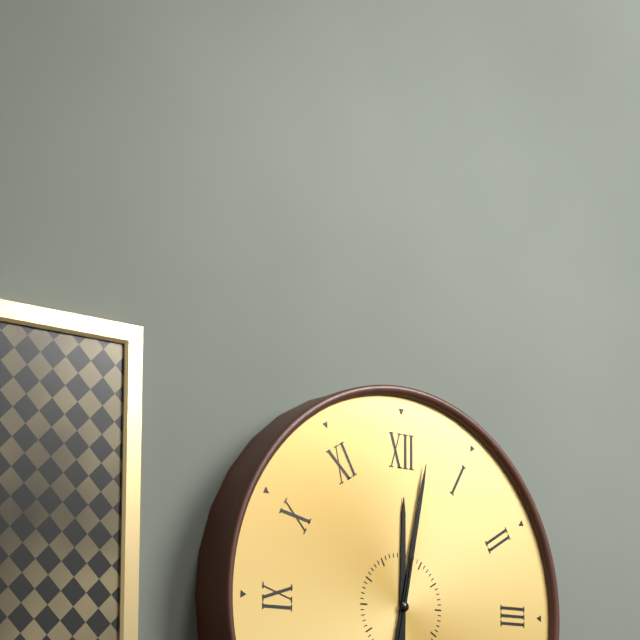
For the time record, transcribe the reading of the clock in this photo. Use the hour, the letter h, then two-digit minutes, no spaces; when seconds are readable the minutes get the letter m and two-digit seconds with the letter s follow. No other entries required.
12h02
